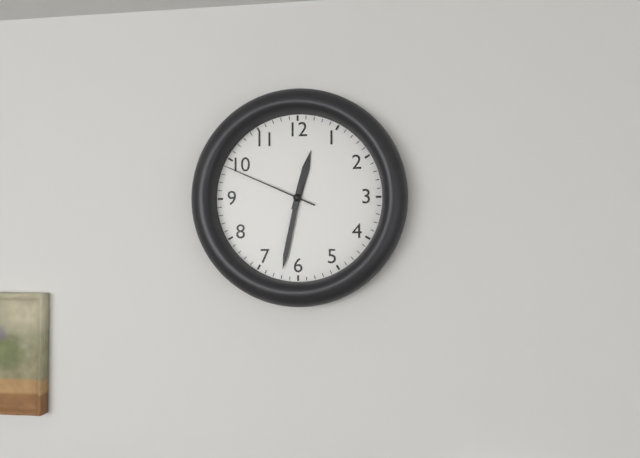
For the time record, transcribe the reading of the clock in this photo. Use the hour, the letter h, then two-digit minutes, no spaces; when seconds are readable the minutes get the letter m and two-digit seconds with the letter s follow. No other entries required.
12h32m49s
